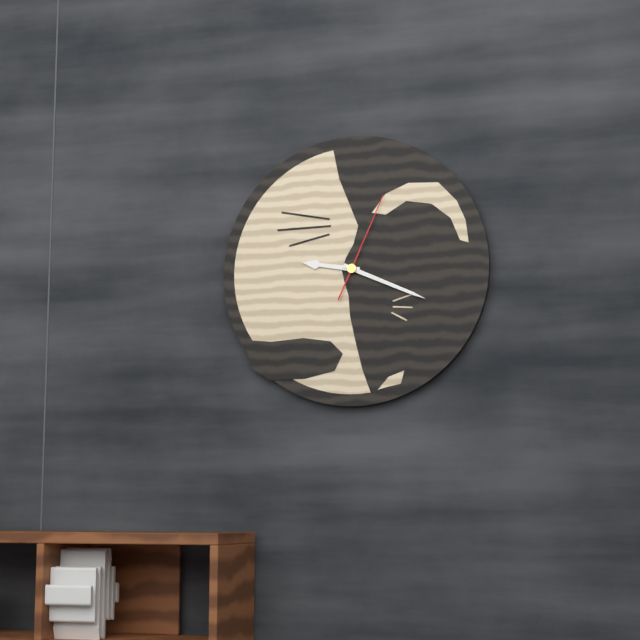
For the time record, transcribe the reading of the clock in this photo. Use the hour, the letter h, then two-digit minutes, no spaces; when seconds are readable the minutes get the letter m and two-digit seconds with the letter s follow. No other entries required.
9h19m04s
